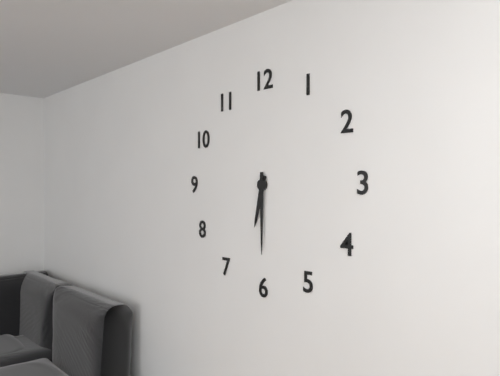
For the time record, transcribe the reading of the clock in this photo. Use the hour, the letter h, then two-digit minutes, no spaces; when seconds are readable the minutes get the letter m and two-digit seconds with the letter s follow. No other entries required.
6h30
